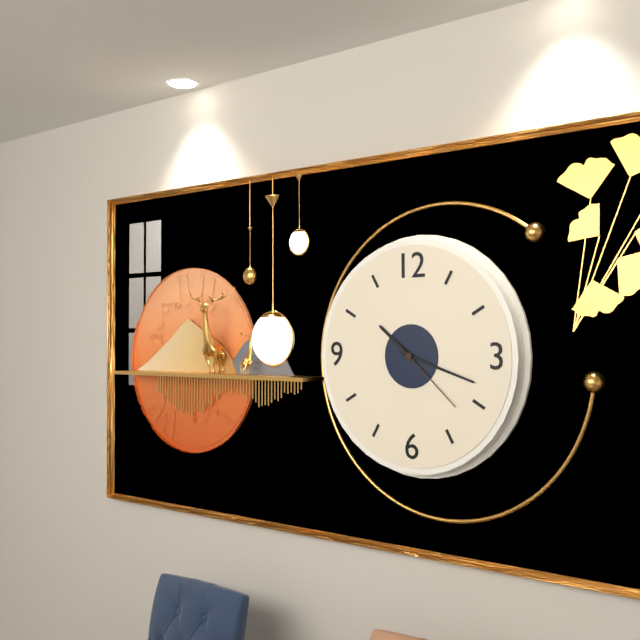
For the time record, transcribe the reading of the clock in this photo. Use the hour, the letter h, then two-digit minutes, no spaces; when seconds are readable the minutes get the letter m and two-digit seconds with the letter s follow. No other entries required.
10h18m22s
